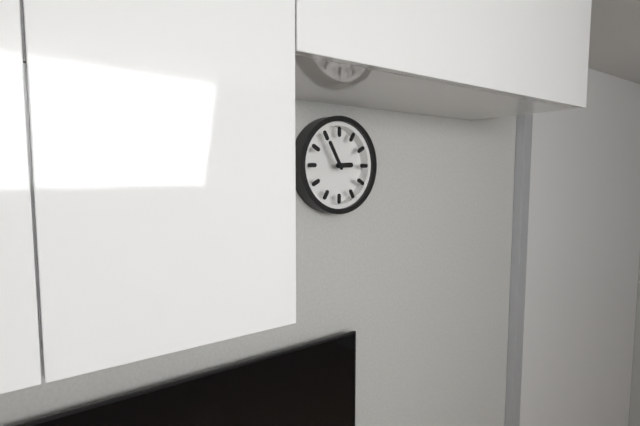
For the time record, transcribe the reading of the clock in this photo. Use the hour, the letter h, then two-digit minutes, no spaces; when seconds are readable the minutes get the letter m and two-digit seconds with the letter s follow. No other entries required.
2h55
